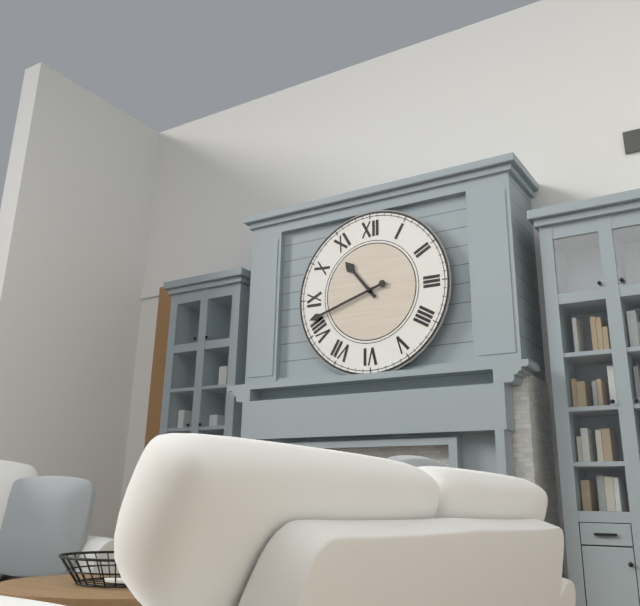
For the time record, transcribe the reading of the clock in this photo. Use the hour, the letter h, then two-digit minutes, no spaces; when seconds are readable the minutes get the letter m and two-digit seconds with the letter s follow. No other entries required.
10h42
